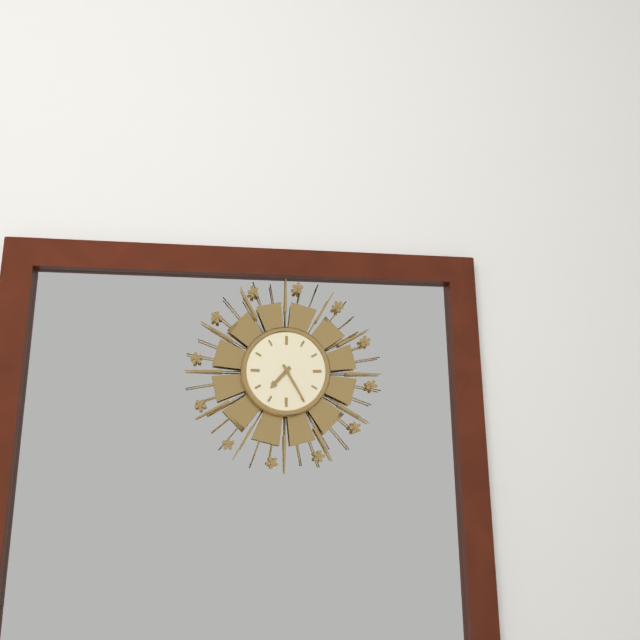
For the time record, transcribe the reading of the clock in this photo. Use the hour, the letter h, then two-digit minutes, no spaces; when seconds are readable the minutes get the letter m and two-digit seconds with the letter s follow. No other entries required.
7h25
